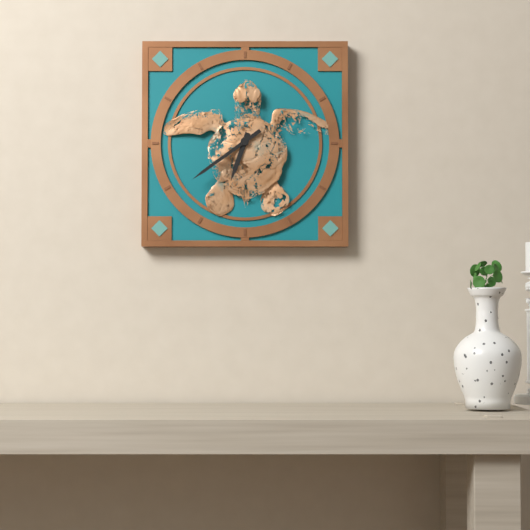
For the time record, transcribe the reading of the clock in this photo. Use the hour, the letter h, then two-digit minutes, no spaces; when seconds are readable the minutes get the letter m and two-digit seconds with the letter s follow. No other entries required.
6h39
